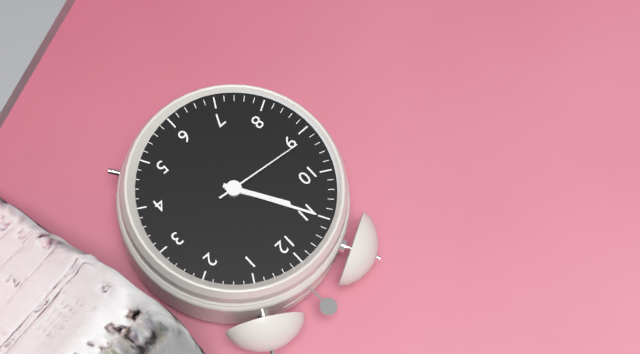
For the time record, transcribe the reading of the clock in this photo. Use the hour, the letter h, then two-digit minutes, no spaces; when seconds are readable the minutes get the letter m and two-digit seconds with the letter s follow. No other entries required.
10h55m46s
